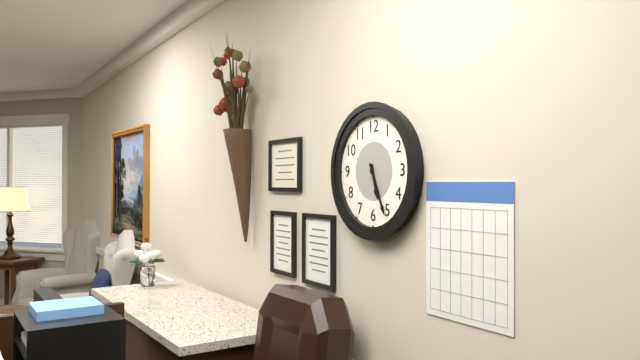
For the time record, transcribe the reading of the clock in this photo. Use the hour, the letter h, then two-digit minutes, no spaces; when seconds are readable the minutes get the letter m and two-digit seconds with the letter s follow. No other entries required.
5h26
